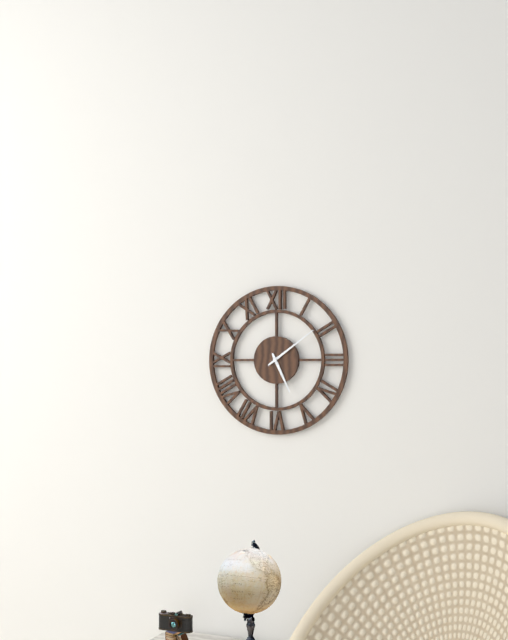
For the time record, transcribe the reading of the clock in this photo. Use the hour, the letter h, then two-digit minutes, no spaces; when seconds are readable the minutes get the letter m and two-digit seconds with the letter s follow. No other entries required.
5h09
